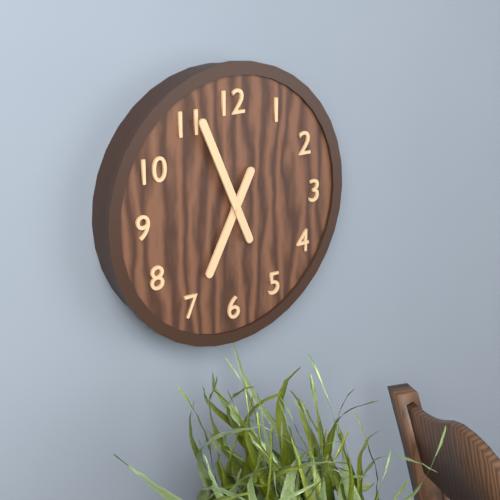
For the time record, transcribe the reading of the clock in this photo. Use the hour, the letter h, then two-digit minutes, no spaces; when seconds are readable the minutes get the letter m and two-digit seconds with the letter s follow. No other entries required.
6h56
